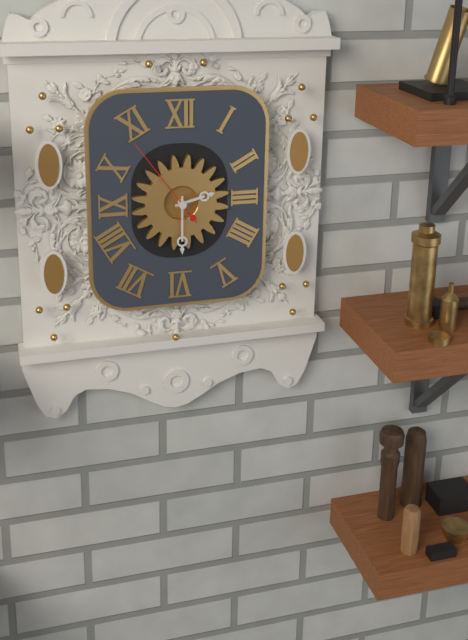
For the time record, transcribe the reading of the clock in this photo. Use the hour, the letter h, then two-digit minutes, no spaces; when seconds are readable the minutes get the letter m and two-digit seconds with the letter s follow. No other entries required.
2h30m54s
